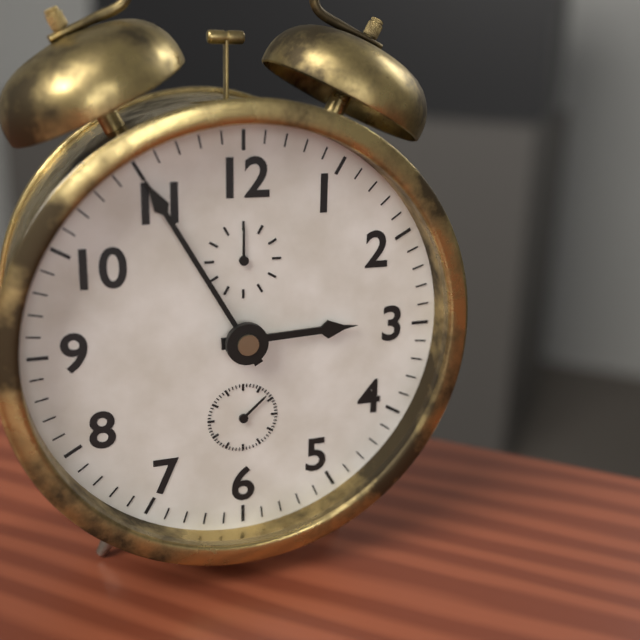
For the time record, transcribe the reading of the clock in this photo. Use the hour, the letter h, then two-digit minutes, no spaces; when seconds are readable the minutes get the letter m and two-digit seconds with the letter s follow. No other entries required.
2h55
